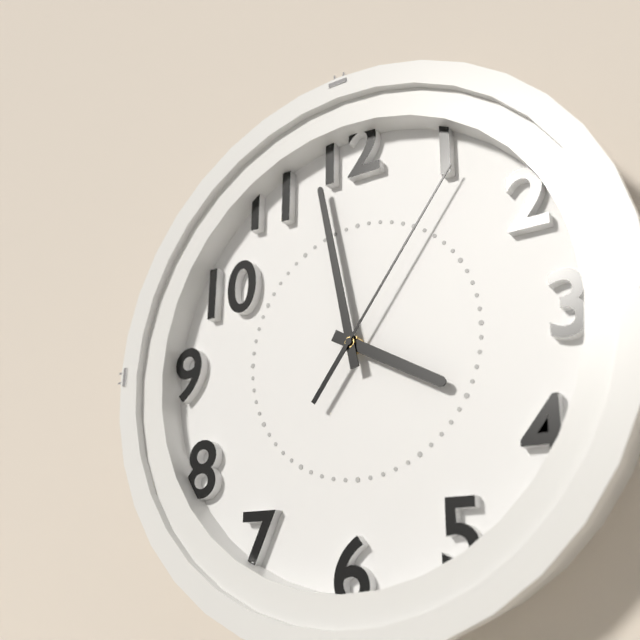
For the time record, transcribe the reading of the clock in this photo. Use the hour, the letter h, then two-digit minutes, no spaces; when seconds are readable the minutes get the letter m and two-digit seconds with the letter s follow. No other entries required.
3h58m06s
